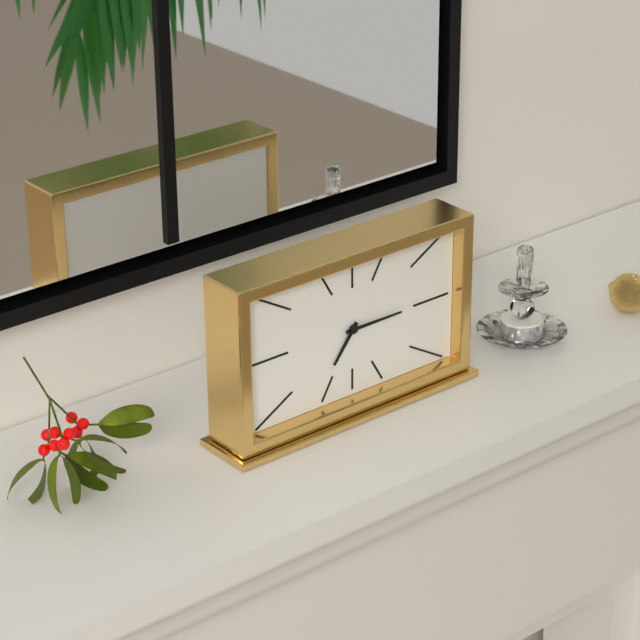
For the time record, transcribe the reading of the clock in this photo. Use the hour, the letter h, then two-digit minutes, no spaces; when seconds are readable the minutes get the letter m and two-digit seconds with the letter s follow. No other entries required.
7h15
